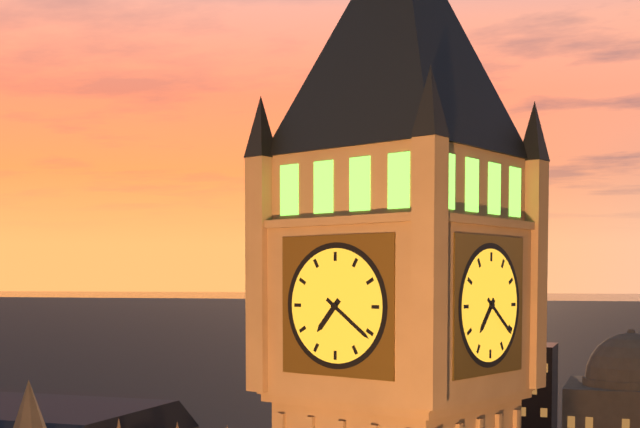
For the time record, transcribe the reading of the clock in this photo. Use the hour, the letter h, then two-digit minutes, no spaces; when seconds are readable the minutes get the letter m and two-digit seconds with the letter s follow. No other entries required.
7h21
